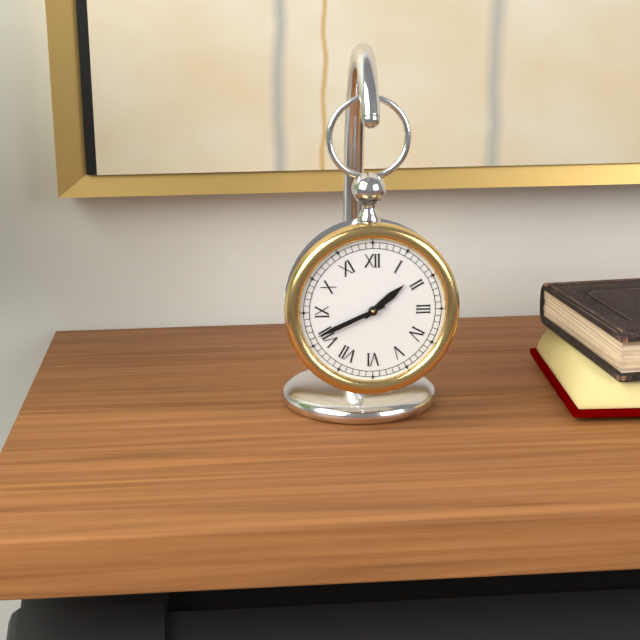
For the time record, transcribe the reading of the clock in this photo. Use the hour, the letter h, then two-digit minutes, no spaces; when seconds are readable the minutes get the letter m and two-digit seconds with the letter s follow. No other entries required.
1h41
